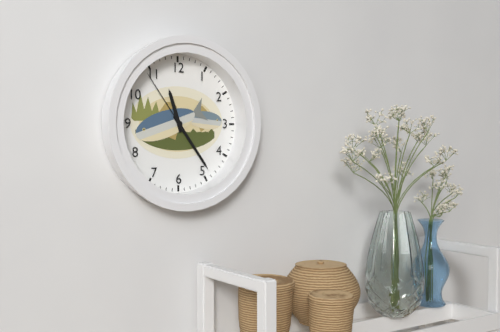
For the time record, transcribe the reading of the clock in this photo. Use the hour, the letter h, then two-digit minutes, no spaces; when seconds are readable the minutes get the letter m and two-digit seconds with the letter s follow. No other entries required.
11h24m54s
